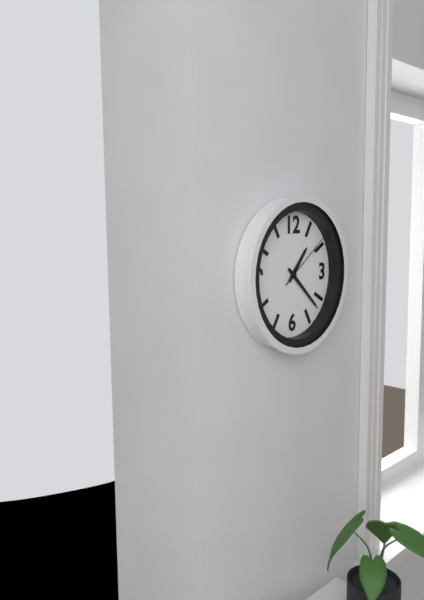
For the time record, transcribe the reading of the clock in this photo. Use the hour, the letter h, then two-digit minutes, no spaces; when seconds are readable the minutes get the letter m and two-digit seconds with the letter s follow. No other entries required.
1h22m09s
